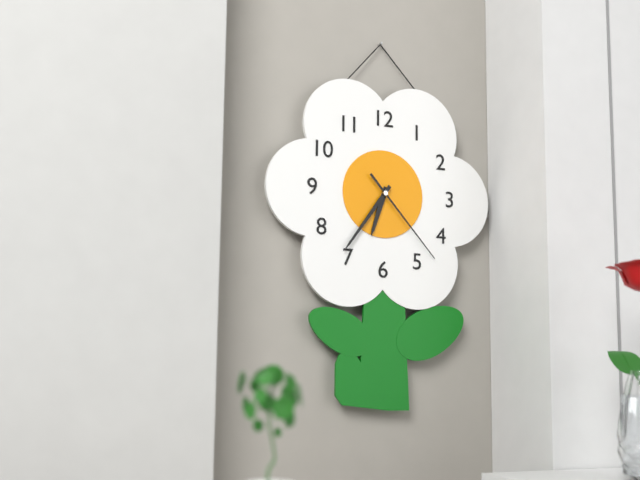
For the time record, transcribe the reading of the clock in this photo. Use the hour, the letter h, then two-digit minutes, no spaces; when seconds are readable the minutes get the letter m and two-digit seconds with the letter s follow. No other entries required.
6h36m23s
